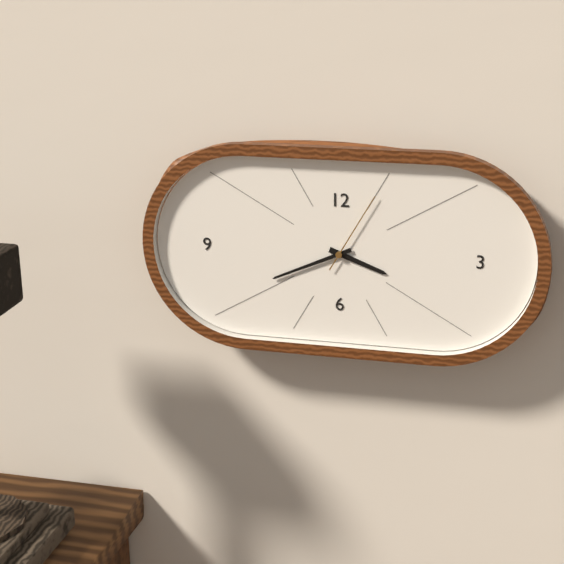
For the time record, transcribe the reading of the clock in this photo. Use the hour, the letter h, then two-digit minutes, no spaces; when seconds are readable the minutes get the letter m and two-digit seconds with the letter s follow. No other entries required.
3h41m05s
